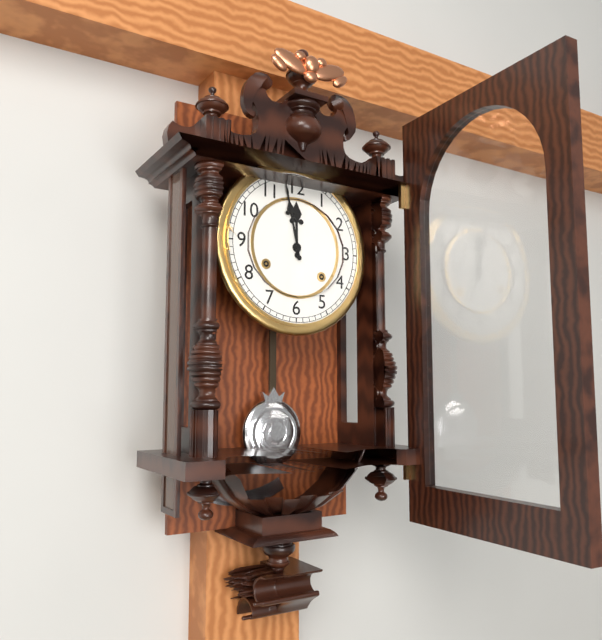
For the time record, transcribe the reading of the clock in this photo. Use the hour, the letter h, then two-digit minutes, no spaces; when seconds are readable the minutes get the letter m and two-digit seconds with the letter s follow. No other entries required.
11h58
